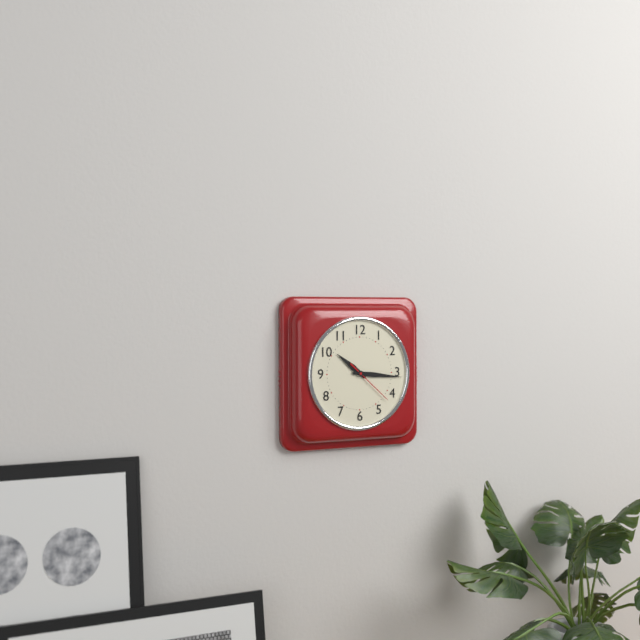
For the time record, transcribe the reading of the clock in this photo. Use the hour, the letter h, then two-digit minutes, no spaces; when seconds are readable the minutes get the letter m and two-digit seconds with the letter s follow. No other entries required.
10h16
